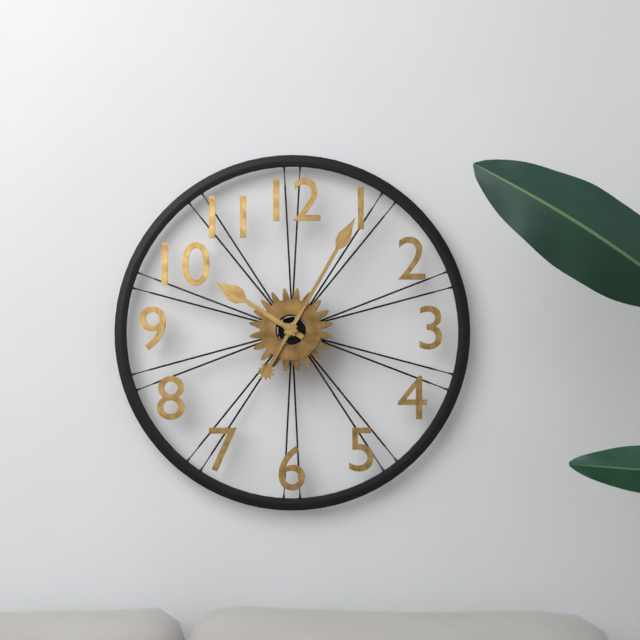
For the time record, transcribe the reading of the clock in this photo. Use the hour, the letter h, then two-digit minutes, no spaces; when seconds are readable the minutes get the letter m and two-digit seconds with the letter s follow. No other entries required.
10h05
